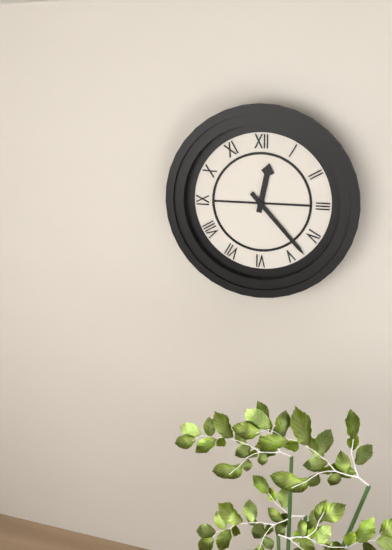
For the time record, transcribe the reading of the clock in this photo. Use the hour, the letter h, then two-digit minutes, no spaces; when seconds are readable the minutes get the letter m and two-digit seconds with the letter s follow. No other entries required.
12h23
